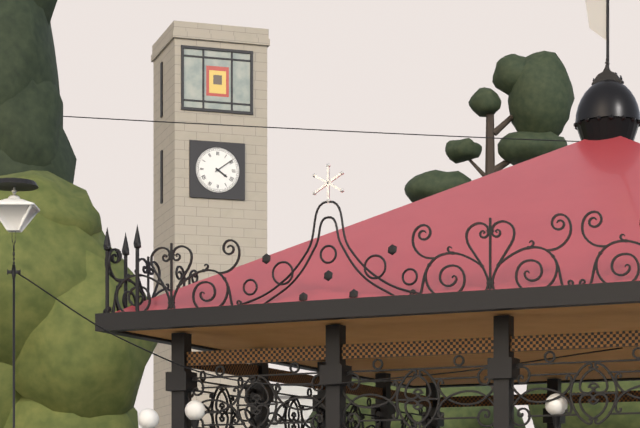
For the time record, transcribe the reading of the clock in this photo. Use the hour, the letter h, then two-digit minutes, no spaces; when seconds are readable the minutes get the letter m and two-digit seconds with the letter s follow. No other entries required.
4h09
